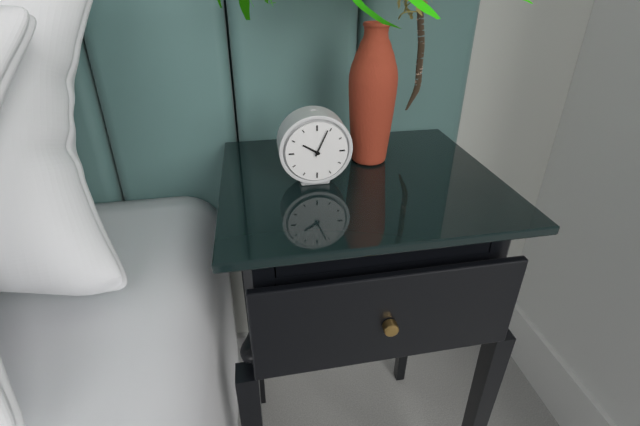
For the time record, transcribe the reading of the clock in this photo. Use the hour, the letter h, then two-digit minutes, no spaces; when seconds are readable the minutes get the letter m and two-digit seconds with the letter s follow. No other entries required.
10h04
